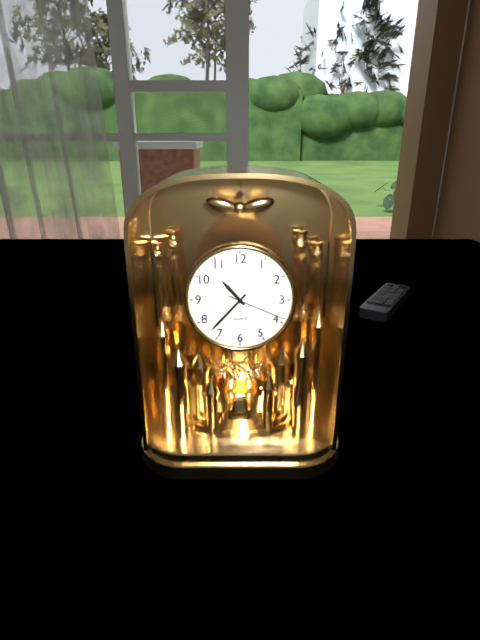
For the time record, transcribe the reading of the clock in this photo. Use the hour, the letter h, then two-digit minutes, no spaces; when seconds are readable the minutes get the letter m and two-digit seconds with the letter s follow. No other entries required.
10h37m19s
